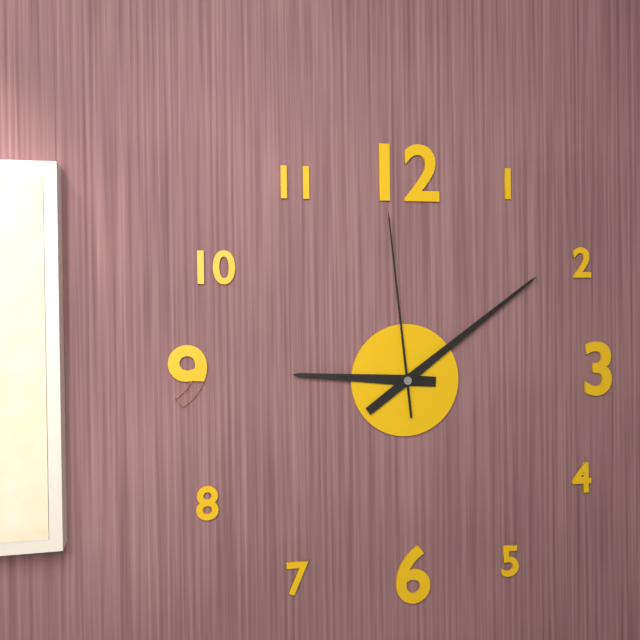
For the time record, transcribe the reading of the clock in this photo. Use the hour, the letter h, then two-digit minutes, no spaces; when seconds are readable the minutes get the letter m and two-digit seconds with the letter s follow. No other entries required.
9h09m59s
